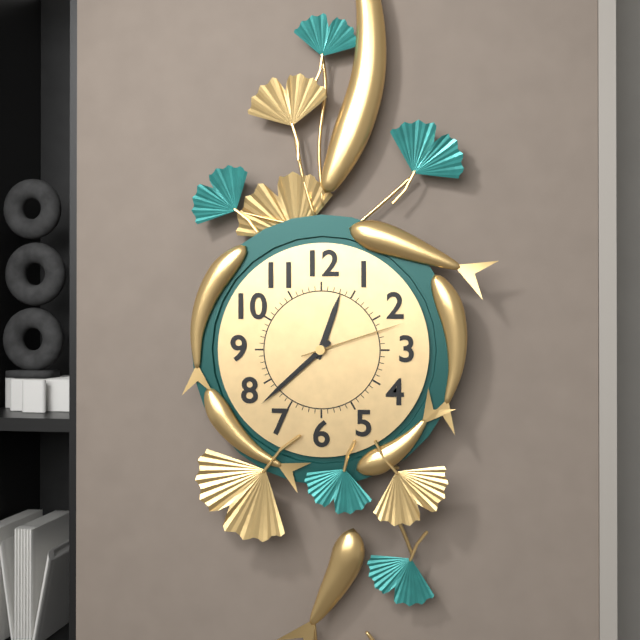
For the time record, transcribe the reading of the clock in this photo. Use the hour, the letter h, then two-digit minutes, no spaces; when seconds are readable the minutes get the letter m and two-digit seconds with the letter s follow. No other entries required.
12h38m12s
